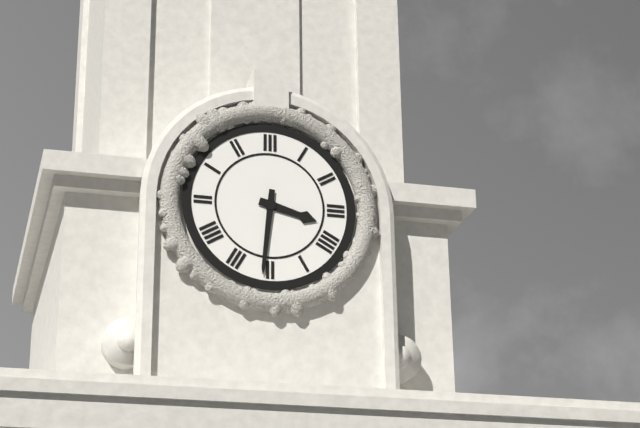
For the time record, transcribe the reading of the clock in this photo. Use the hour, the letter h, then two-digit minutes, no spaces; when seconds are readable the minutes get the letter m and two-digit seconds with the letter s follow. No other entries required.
3h31
